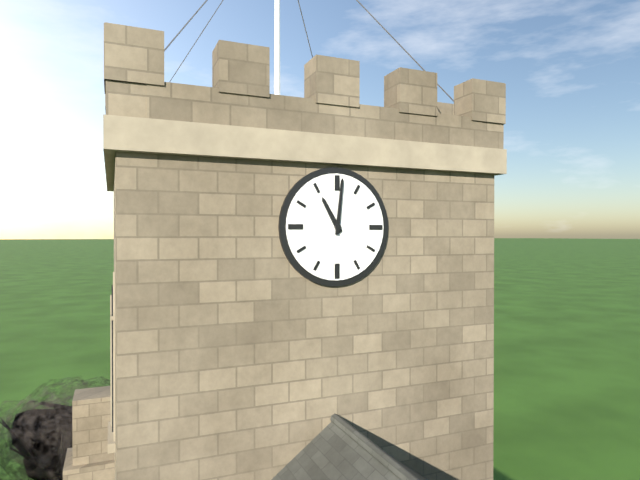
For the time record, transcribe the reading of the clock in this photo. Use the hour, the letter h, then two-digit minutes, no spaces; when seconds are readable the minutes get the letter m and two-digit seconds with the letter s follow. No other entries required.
11h01
